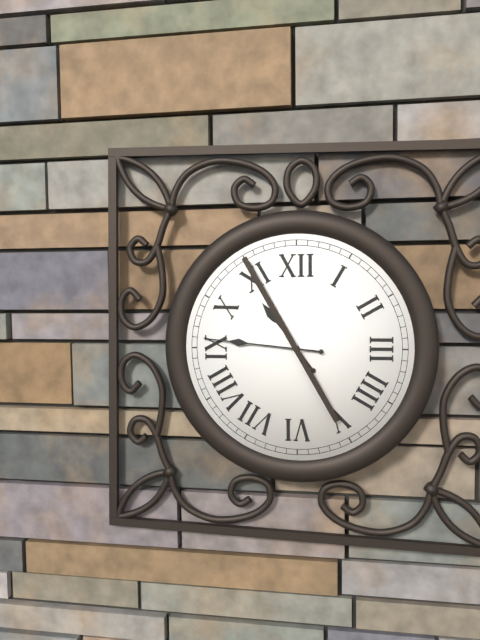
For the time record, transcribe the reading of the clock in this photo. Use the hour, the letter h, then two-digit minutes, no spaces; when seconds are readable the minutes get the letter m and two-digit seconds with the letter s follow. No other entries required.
10h46
